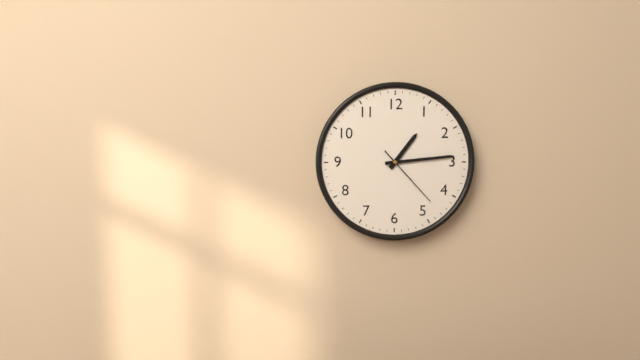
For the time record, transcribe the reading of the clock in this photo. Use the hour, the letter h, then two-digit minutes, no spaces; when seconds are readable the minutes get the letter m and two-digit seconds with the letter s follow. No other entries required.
1h14m23s
